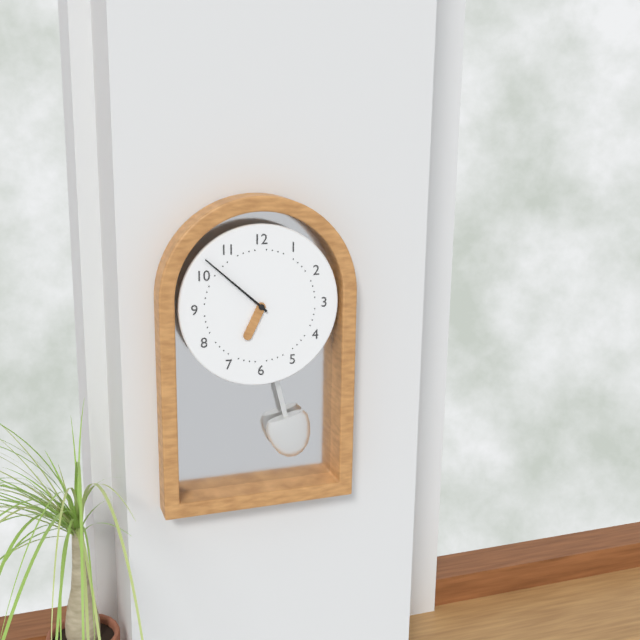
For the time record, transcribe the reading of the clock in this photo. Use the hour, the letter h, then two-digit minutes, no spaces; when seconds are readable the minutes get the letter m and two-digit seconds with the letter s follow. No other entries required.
6h52
